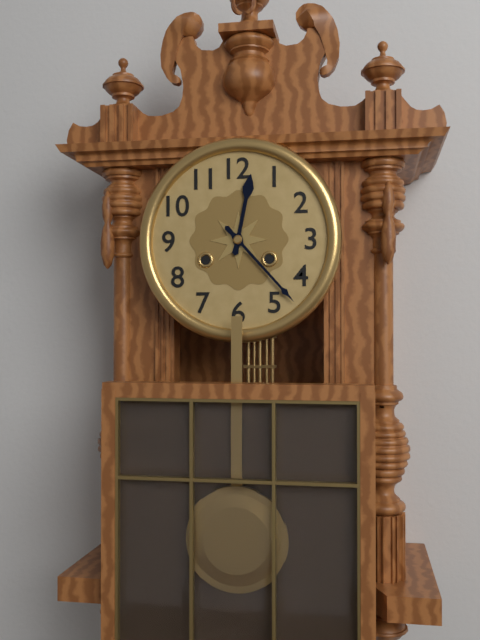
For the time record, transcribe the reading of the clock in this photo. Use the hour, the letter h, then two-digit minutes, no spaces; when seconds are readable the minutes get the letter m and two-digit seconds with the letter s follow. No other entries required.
12h23
